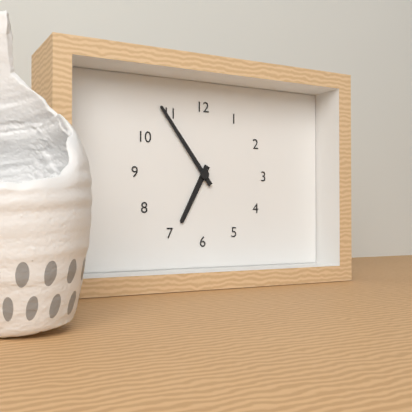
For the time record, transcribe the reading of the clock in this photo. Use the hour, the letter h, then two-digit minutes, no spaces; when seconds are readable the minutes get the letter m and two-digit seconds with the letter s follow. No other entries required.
6h54
